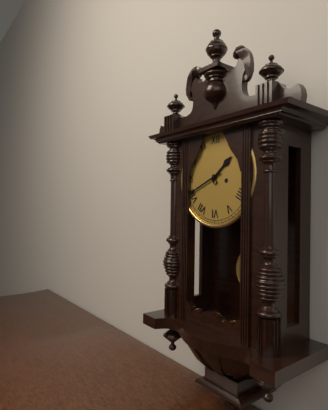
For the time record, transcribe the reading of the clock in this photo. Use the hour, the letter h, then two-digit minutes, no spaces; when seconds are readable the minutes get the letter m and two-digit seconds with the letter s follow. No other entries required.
1h41
